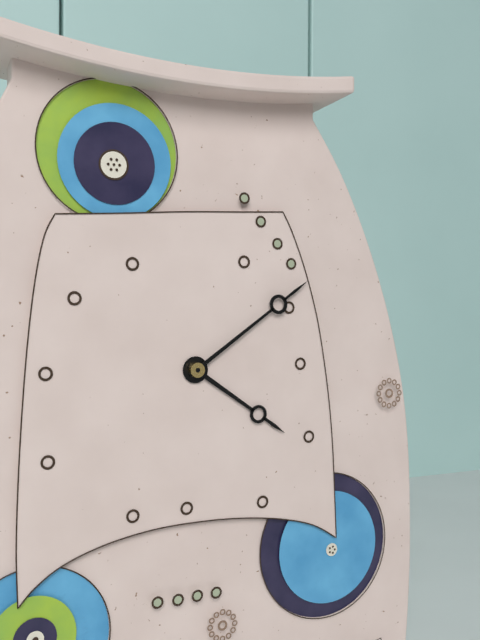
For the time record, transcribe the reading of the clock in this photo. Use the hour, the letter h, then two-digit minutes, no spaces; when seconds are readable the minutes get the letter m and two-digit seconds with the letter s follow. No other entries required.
4h09
